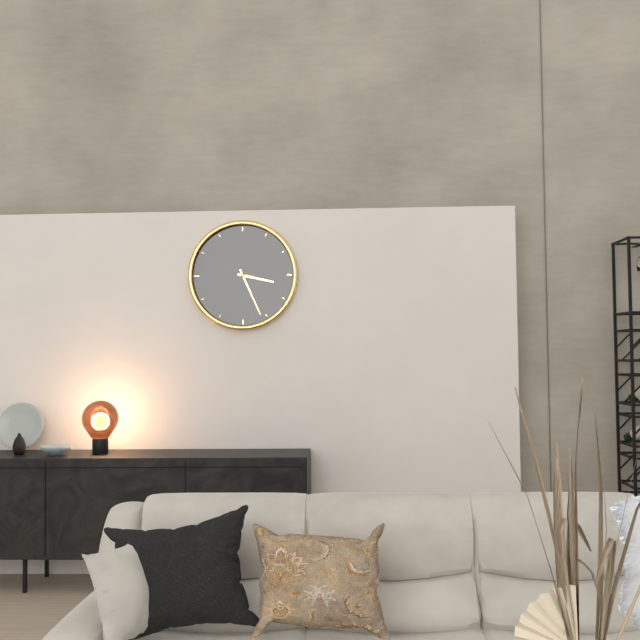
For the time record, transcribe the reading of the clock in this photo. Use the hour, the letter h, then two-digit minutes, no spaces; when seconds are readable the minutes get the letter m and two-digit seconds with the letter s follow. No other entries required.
3h26
